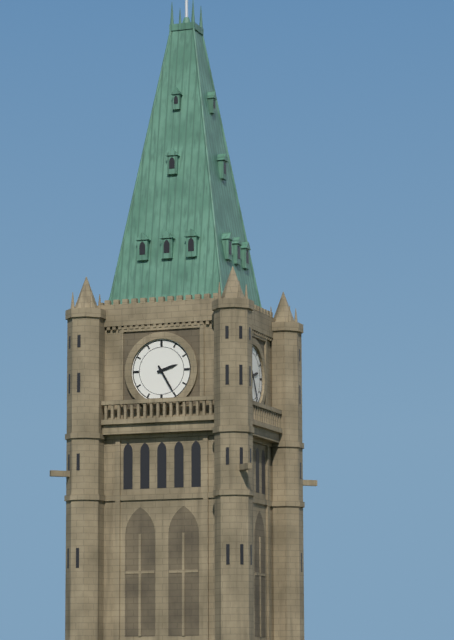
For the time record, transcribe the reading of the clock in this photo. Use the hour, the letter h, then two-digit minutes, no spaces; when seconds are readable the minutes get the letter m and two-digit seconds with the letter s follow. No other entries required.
2h25
